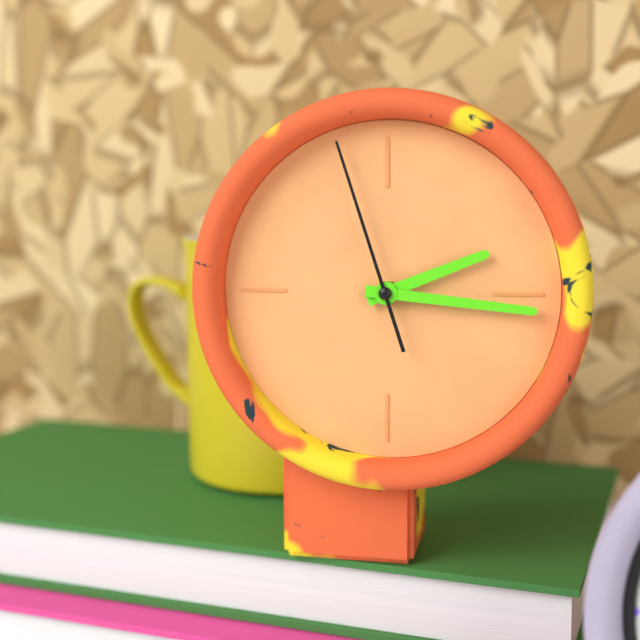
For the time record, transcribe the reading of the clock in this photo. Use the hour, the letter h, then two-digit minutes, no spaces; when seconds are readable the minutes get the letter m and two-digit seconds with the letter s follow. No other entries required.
2h16m57s
